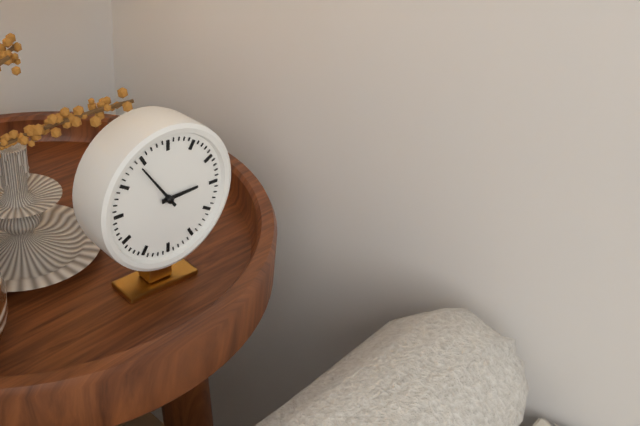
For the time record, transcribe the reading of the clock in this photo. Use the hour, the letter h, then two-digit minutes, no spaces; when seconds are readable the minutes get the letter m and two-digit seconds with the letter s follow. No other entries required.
2h54
